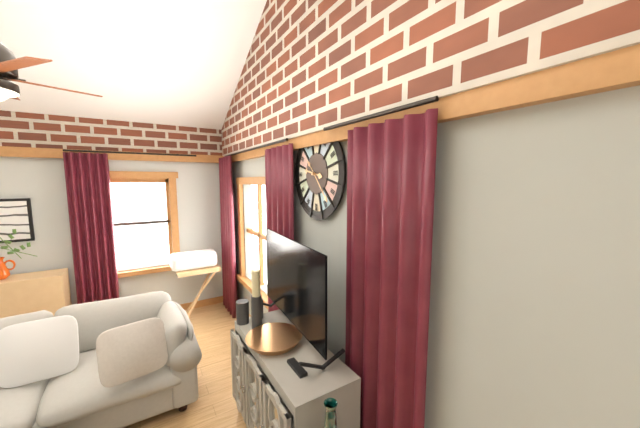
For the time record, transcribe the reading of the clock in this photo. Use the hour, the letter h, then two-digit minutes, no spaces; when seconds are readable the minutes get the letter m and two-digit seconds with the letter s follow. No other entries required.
9h23
